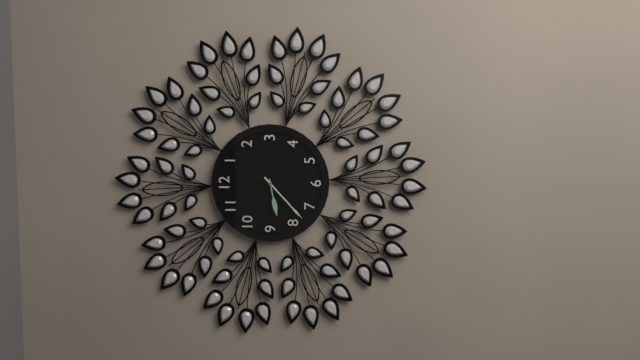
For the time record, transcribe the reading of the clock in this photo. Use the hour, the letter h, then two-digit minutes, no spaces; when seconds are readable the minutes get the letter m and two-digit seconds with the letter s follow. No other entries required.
8h38
